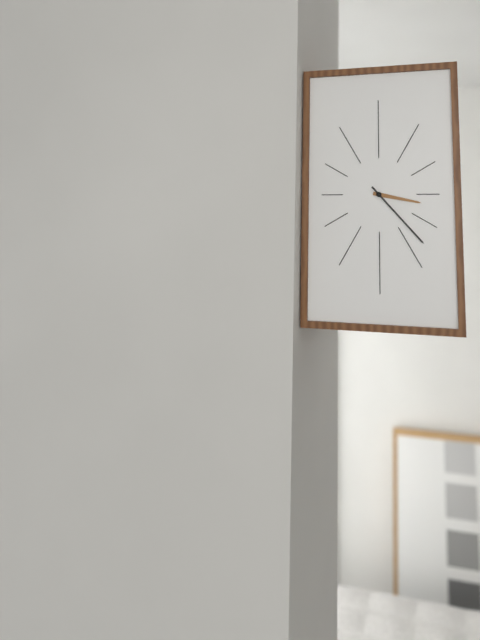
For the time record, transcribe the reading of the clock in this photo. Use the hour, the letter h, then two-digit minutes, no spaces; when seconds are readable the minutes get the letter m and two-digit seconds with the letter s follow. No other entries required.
3h23
